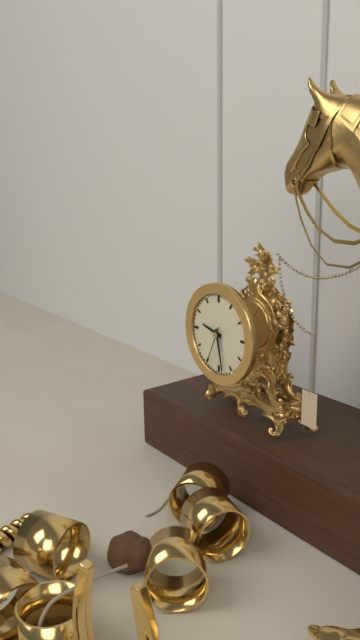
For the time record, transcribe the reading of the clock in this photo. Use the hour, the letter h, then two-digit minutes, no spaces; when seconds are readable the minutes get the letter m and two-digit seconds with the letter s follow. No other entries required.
9h28
